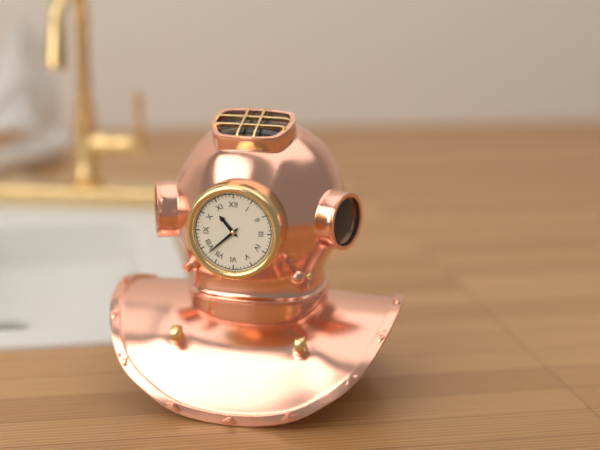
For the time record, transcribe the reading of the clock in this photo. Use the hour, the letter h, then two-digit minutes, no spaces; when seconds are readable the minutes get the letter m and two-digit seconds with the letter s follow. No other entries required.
10h38
